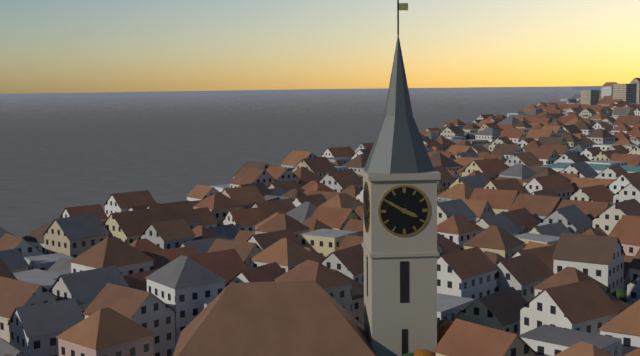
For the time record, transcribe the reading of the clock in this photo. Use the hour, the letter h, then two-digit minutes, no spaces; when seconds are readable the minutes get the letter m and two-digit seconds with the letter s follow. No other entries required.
3h50
